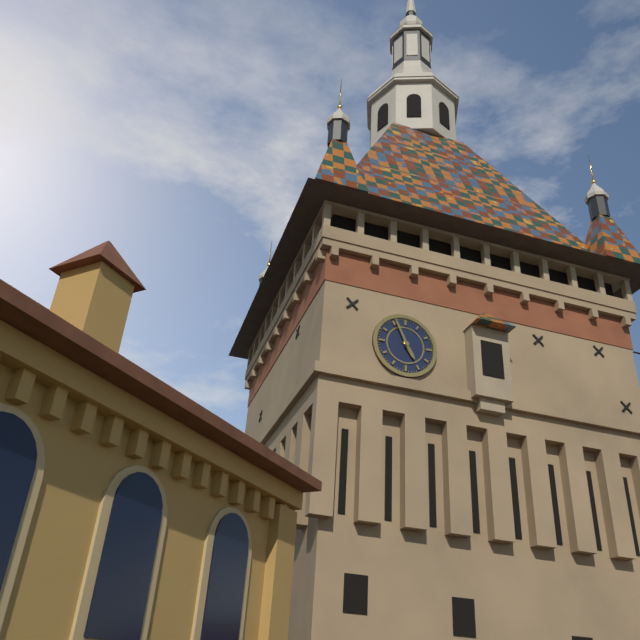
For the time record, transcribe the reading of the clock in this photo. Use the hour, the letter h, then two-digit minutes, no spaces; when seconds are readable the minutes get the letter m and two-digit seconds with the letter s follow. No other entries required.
4h56
